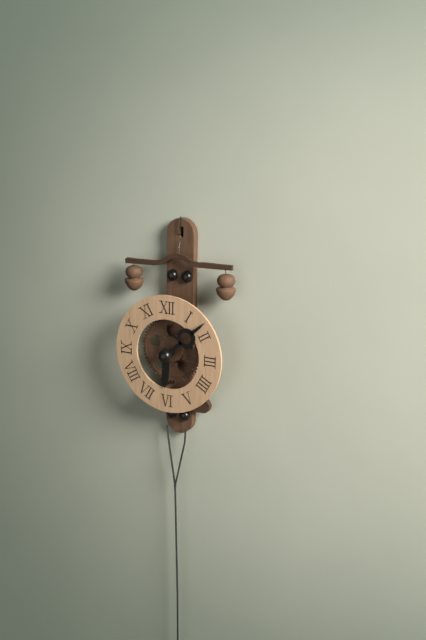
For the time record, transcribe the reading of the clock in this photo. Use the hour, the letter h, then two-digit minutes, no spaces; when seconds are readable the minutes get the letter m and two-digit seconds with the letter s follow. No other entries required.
6h08
